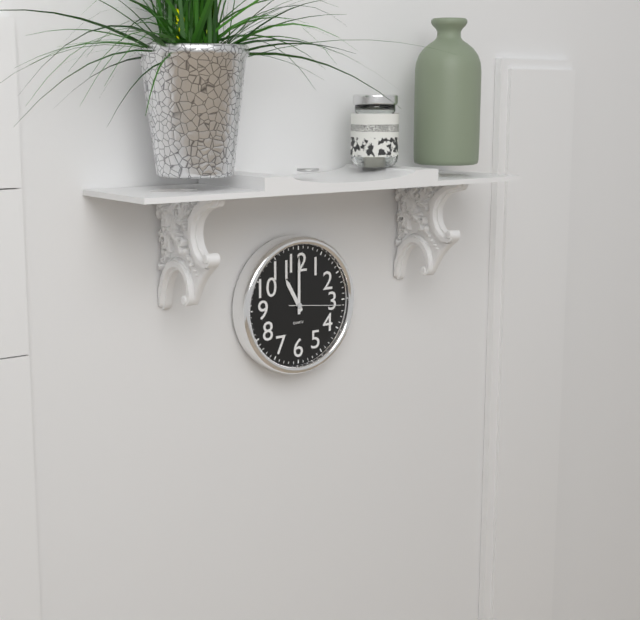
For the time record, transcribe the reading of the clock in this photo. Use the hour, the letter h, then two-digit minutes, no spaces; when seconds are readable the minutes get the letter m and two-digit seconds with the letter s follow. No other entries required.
11h00m16s
